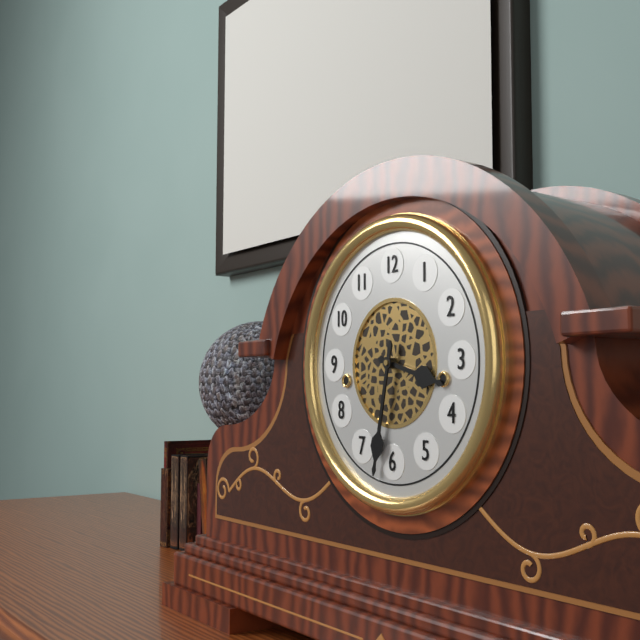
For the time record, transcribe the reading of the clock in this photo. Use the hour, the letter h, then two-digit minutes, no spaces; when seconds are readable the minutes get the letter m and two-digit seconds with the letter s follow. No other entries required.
3h32
